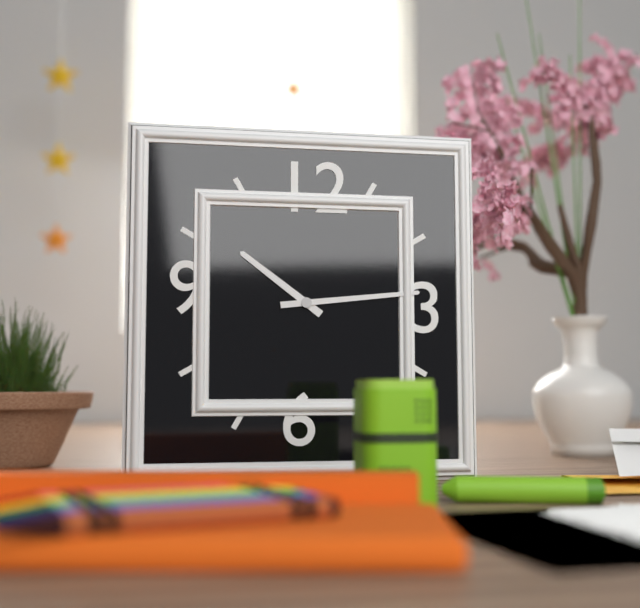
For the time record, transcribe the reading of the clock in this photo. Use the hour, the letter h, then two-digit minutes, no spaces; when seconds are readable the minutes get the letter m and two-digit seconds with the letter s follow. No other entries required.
10h14
